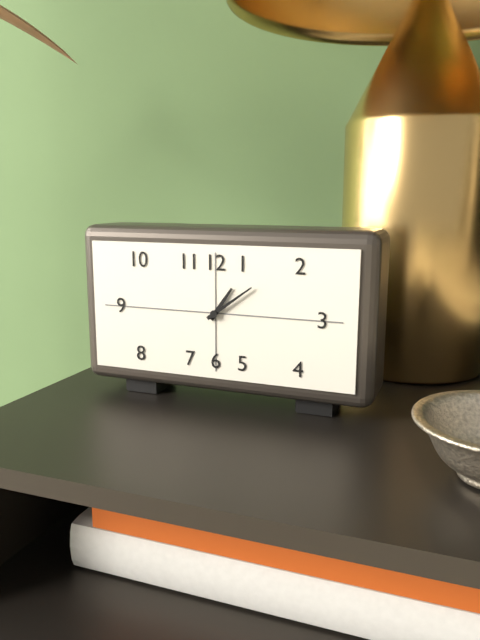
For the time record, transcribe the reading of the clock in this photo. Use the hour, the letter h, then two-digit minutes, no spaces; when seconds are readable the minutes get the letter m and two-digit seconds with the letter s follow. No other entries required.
1h09
